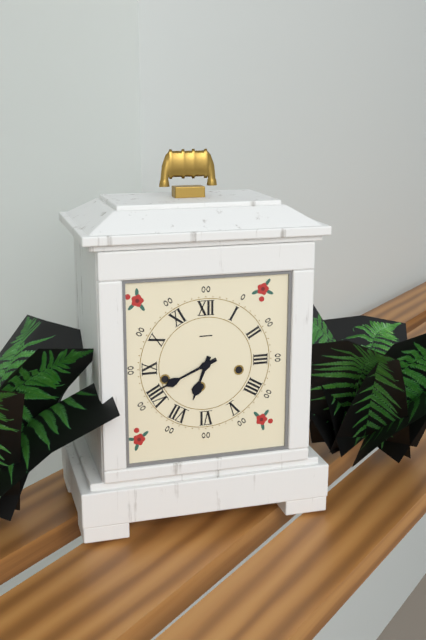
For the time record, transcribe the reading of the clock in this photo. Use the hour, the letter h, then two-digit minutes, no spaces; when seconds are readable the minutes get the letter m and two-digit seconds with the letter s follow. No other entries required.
6h41
